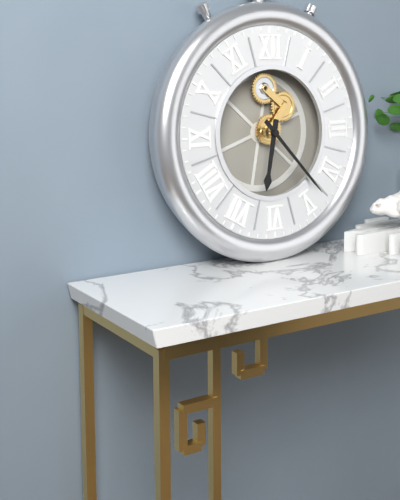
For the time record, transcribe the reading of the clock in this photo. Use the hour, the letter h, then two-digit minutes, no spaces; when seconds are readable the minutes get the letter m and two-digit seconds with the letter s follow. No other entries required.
6h23
